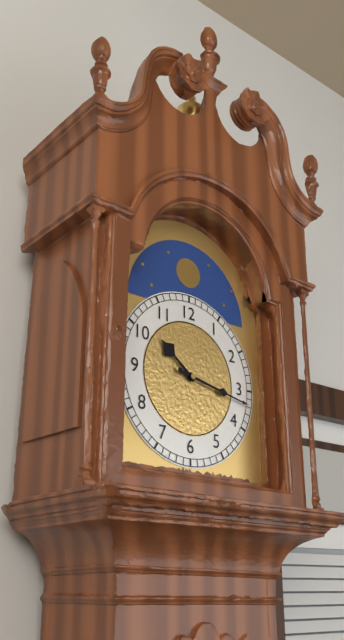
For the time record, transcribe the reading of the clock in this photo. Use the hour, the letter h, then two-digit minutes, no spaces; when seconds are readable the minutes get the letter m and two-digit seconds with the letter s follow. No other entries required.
10h17
